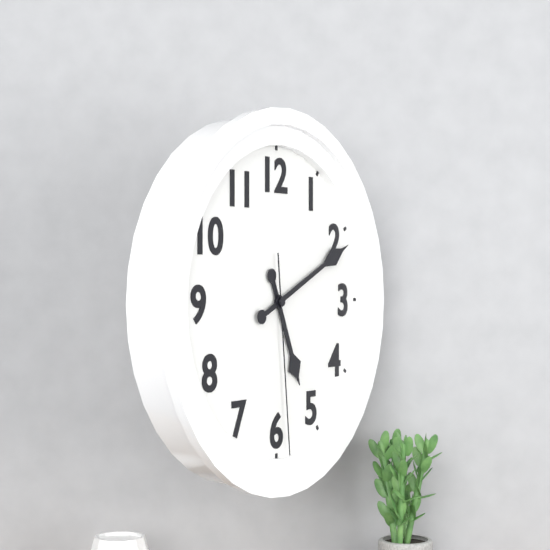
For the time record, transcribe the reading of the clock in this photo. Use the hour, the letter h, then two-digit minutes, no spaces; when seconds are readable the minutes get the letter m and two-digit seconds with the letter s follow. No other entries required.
5h11m29s
